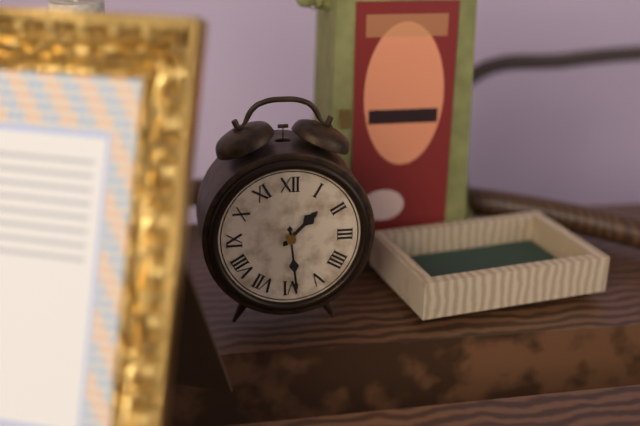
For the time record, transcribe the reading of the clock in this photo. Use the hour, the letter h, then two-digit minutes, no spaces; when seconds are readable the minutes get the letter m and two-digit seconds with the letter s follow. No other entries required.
1h29
